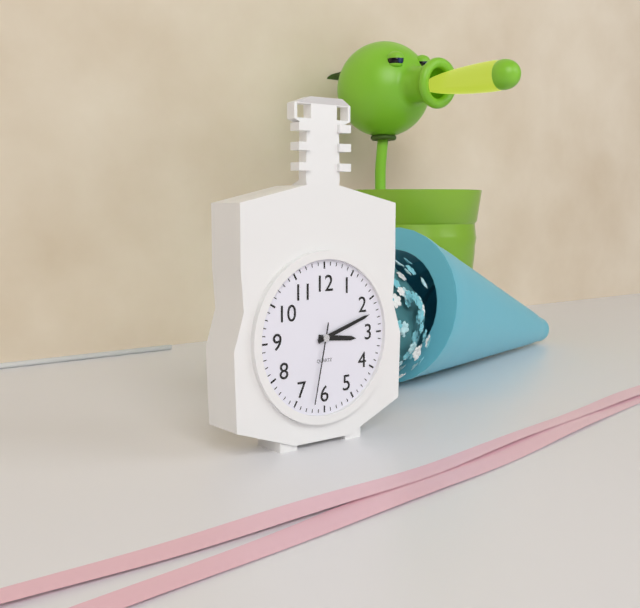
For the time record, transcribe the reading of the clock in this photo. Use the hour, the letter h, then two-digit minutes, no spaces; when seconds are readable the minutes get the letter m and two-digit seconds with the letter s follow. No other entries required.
3h12m32s
